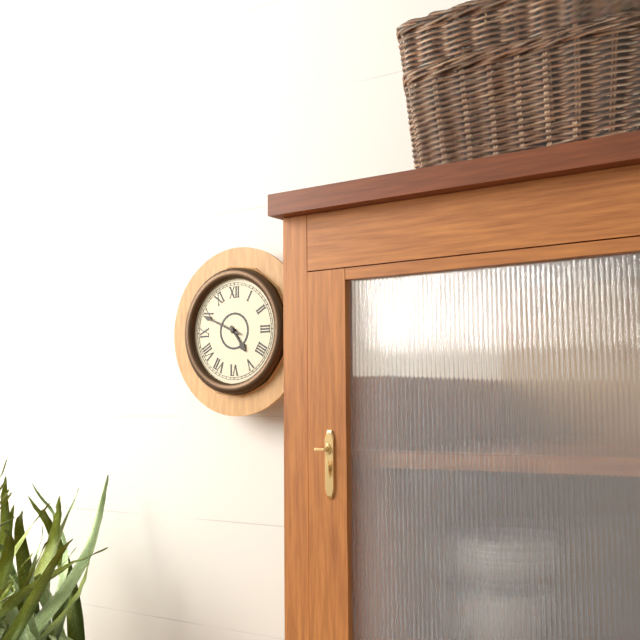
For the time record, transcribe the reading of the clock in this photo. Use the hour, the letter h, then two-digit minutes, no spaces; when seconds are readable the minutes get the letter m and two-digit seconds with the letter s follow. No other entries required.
4h49
